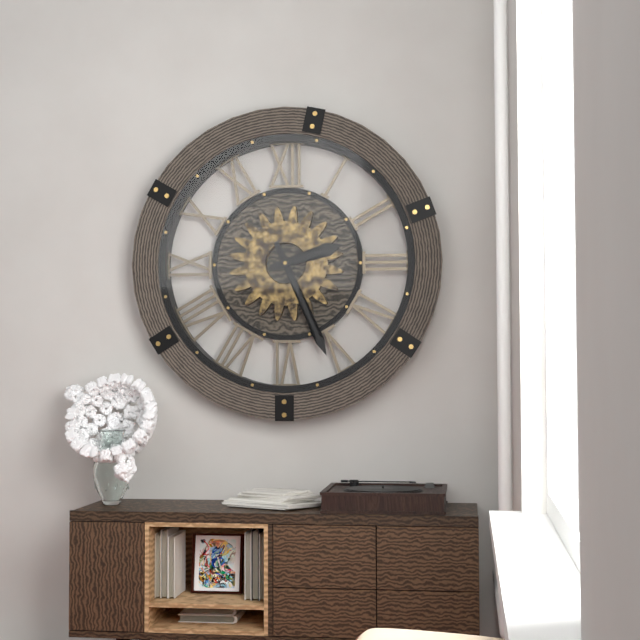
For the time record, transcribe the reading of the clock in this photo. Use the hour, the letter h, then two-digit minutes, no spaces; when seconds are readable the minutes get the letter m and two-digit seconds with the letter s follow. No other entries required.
2h26
